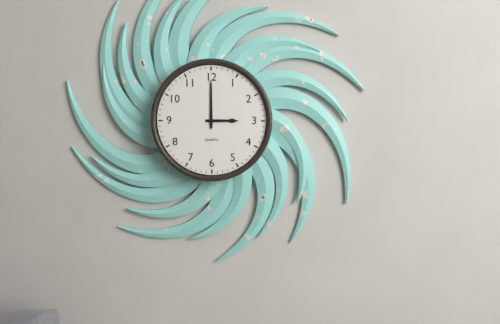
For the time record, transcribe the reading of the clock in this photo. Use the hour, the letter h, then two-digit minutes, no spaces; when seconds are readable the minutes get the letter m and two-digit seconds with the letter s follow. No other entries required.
3h00
